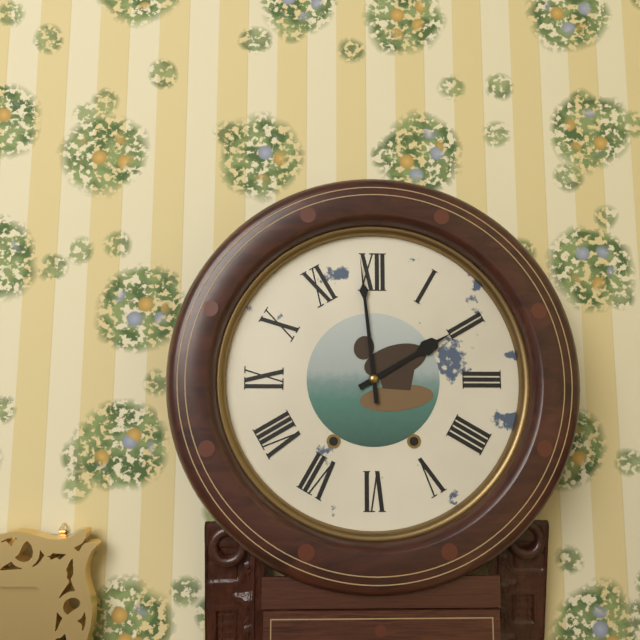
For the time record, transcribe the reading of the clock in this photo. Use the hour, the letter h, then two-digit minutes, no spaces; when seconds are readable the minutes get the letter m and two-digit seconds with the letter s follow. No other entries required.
1h59
